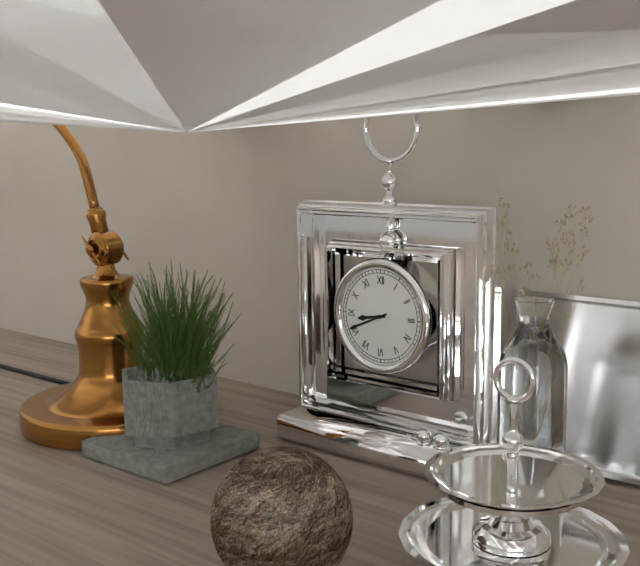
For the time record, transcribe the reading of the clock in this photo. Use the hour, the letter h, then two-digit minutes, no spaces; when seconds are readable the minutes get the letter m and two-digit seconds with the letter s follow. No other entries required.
8h41
